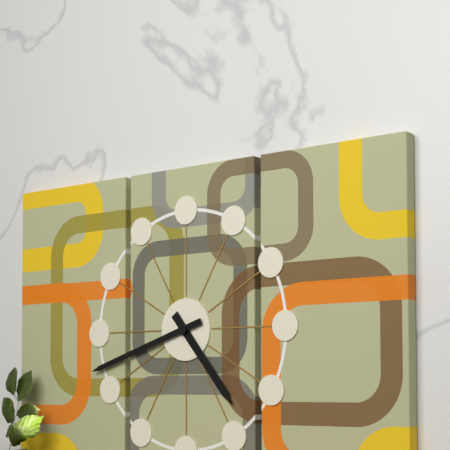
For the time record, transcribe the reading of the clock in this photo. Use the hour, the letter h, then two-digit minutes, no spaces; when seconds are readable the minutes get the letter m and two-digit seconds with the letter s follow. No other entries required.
4h42
